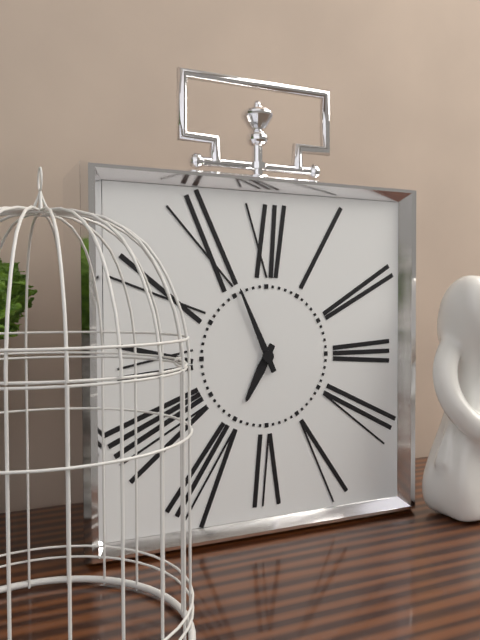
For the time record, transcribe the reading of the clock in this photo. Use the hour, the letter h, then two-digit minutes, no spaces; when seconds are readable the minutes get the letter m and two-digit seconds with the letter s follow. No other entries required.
6h56
